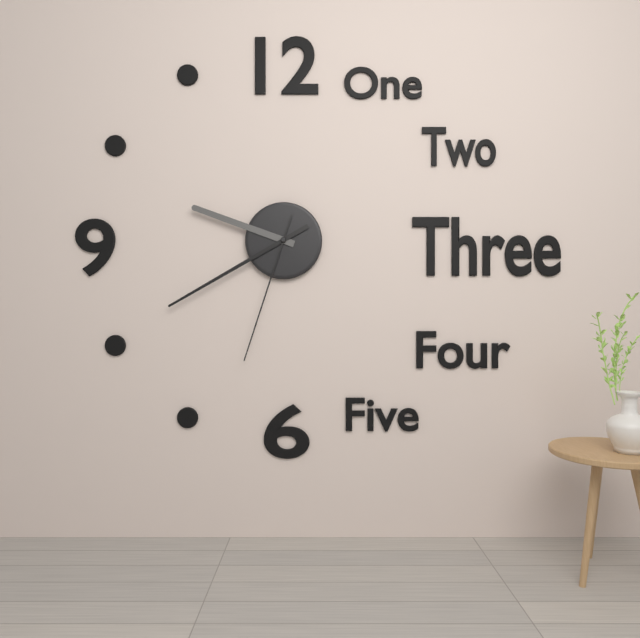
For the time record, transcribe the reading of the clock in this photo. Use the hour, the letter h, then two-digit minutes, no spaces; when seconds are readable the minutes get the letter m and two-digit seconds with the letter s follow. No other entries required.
9h40m33s
